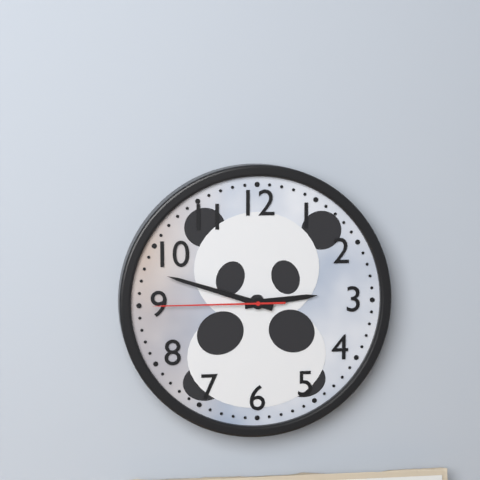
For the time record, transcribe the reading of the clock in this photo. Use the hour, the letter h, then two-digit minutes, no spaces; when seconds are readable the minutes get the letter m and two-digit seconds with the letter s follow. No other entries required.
2h48m45s
